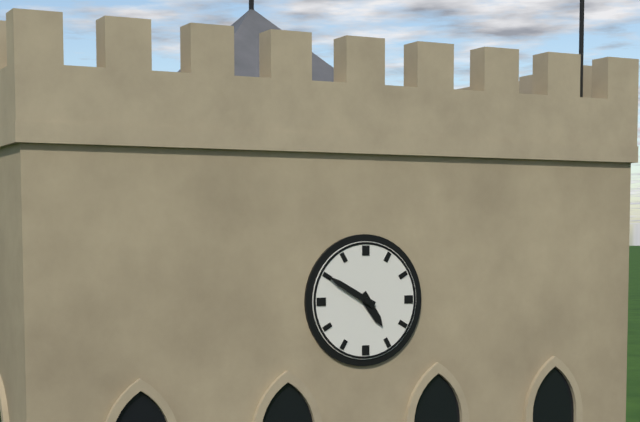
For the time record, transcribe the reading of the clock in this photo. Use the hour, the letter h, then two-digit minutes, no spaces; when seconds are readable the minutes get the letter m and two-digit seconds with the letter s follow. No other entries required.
4h50
